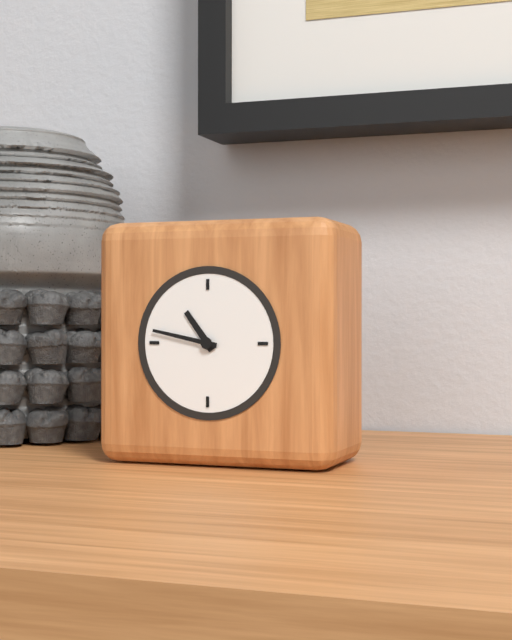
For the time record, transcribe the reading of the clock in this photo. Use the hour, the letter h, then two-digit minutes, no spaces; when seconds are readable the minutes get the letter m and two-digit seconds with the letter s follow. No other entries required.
10h47
